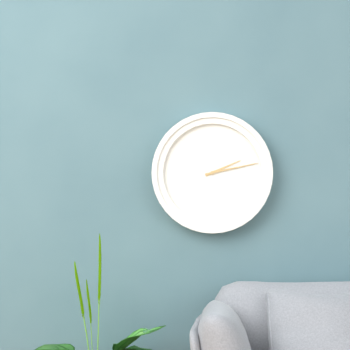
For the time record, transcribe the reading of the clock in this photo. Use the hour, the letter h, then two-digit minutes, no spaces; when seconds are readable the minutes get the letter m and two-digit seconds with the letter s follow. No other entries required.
2h13
